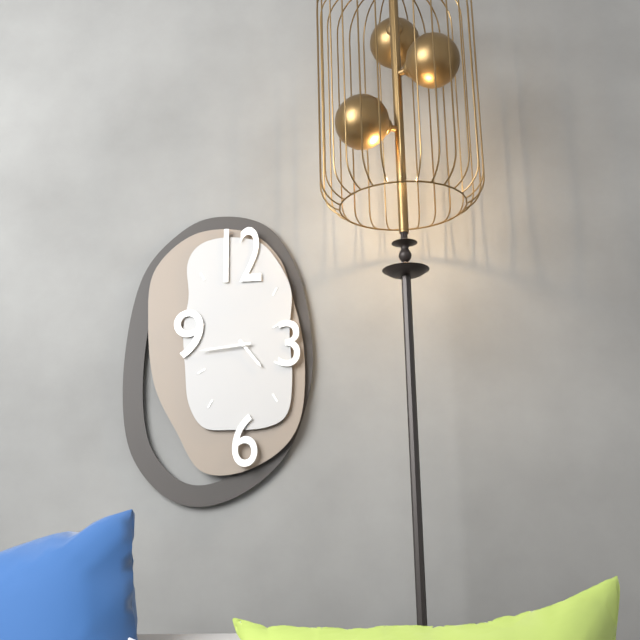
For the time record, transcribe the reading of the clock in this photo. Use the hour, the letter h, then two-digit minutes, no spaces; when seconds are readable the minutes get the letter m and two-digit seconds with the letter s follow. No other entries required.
4h44
